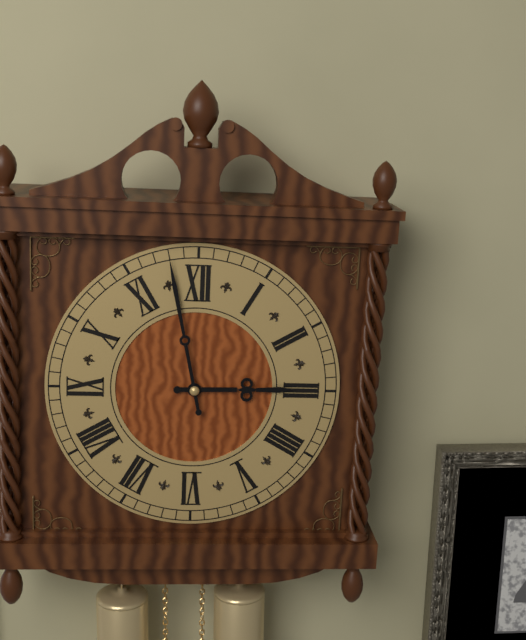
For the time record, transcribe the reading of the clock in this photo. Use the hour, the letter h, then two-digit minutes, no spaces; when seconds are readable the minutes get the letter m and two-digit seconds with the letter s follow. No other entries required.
2h58
